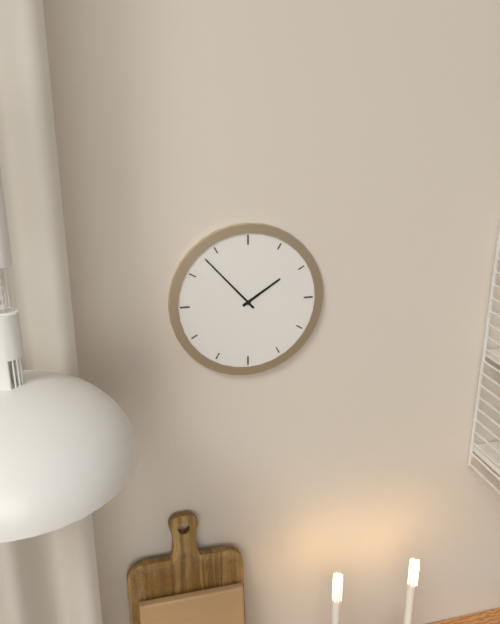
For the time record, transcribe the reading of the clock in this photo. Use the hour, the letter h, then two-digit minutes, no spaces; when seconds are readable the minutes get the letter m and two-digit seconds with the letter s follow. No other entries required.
1h53
